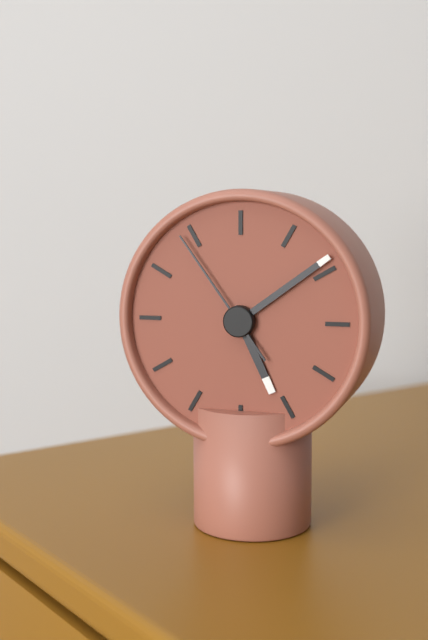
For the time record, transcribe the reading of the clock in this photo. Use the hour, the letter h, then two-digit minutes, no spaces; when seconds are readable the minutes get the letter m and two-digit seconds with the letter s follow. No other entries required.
5h09m54s
